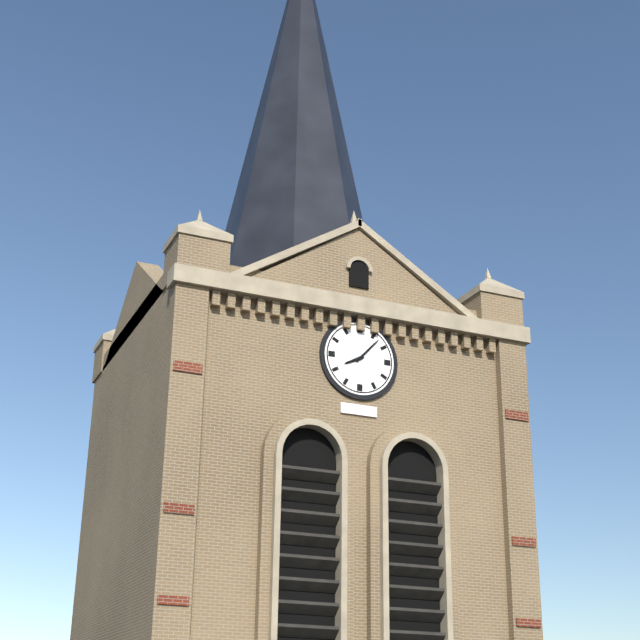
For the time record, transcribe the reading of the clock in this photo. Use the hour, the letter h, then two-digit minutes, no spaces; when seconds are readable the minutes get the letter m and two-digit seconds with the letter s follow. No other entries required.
8h07
